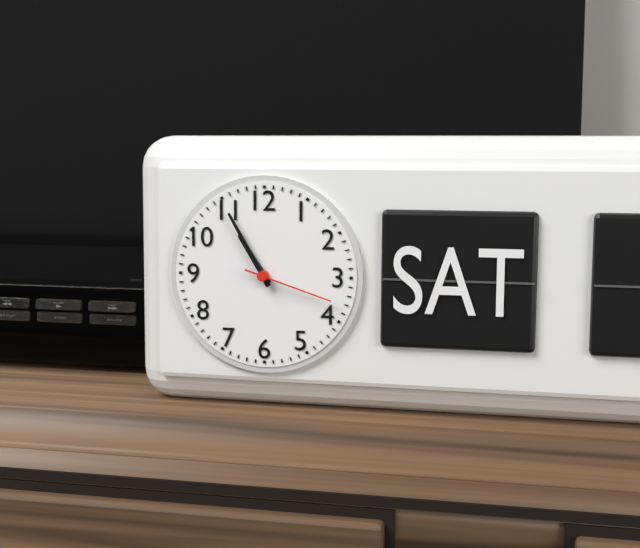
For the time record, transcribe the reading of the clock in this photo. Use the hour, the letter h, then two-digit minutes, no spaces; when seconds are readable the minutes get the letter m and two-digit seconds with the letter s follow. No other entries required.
10h55m18s
